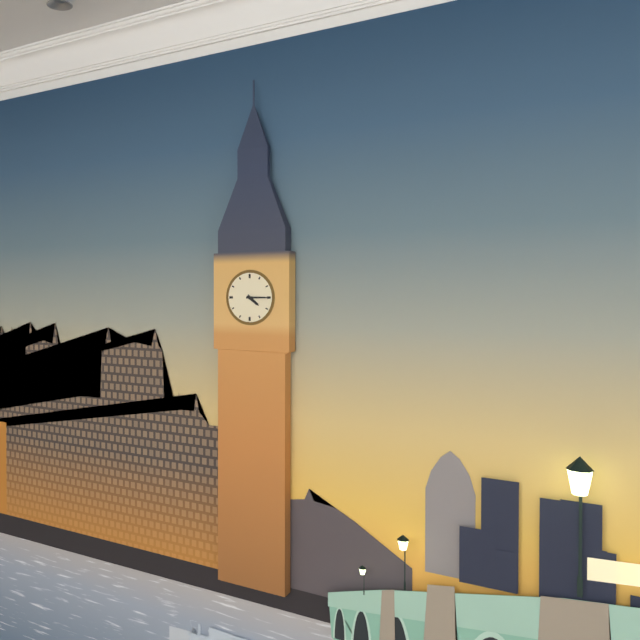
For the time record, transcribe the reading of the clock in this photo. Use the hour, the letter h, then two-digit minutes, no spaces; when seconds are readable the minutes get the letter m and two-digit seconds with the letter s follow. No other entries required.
4h15
